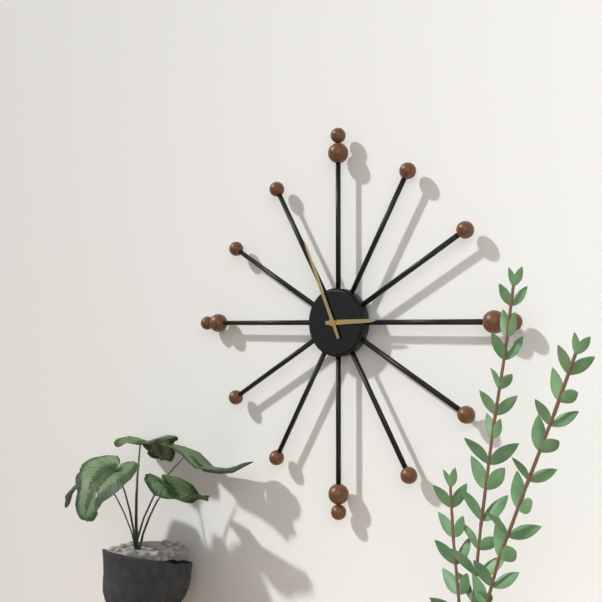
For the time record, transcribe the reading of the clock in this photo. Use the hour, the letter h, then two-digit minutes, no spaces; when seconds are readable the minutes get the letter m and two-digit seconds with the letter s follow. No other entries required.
2h56
